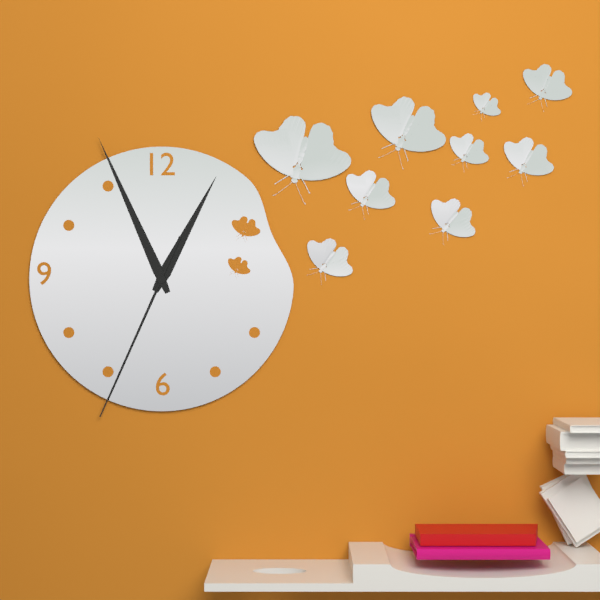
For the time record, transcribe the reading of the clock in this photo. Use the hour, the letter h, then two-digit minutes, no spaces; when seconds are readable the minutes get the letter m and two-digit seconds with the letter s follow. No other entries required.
12h56m34s
